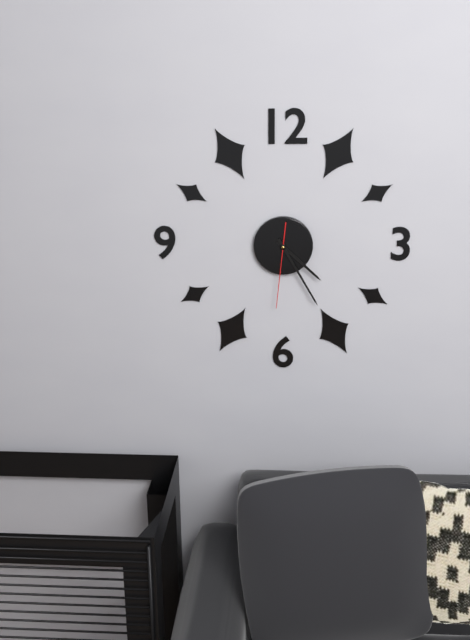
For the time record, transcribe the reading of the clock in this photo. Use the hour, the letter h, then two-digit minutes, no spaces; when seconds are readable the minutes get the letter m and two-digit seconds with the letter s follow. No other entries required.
4h25m31s
